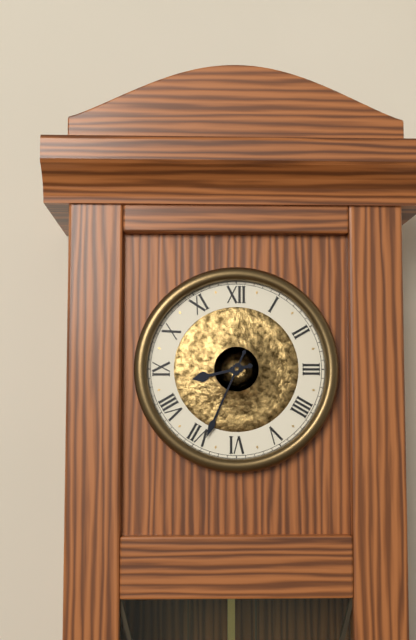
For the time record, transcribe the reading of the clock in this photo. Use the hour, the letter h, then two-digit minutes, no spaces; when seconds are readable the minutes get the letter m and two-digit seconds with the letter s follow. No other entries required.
8h34
